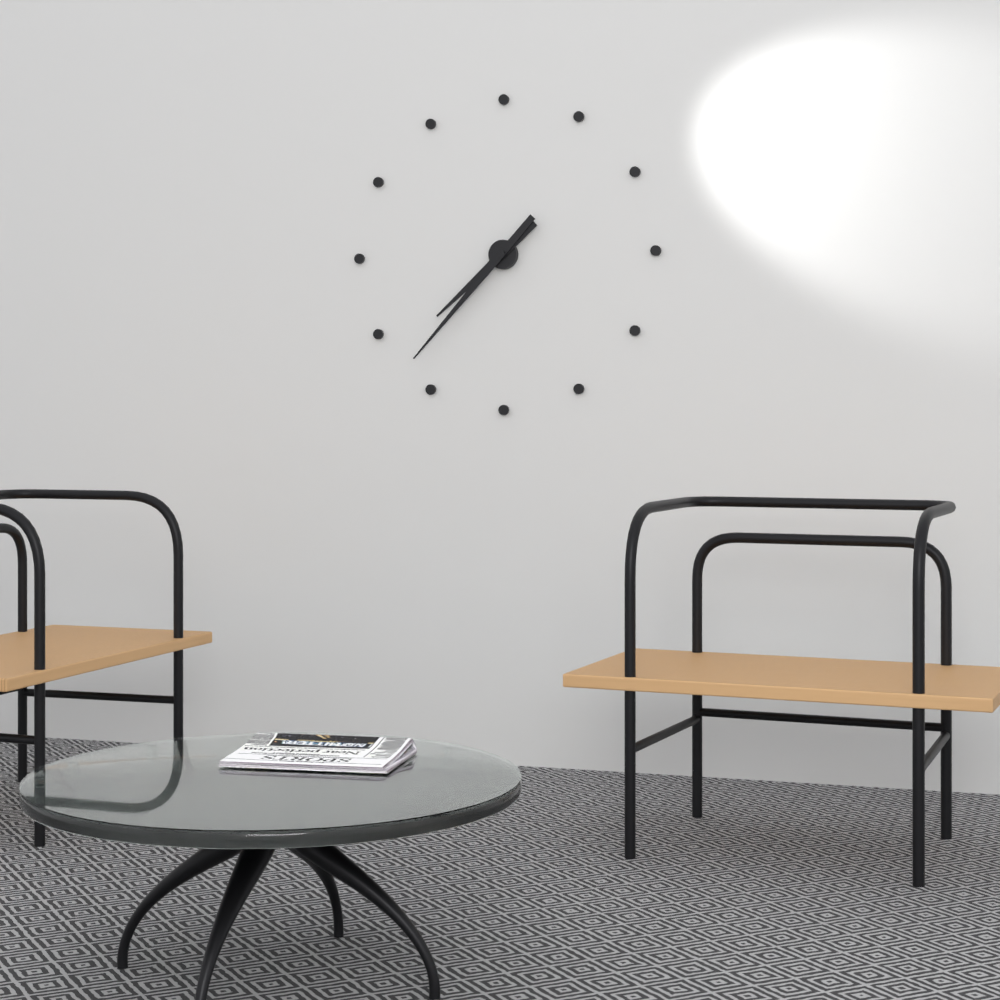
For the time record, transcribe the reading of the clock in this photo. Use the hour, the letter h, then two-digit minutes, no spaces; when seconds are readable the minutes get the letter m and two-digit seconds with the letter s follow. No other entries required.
7h37
